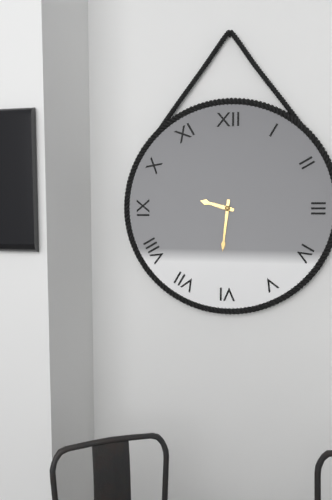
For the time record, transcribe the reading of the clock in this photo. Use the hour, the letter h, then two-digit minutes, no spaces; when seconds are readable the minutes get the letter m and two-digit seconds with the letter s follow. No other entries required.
9h31
